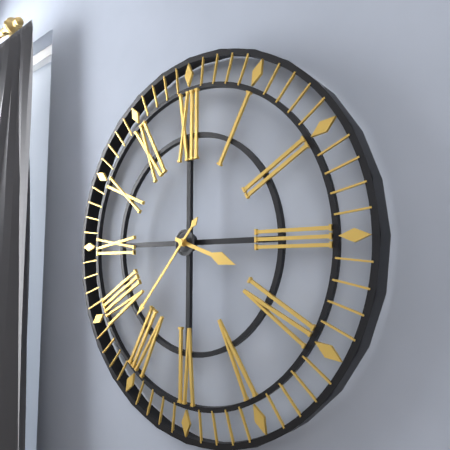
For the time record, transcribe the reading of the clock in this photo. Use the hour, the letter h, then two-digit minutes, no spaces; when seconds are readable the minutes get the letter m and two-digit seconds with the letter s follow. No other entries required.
3h37
